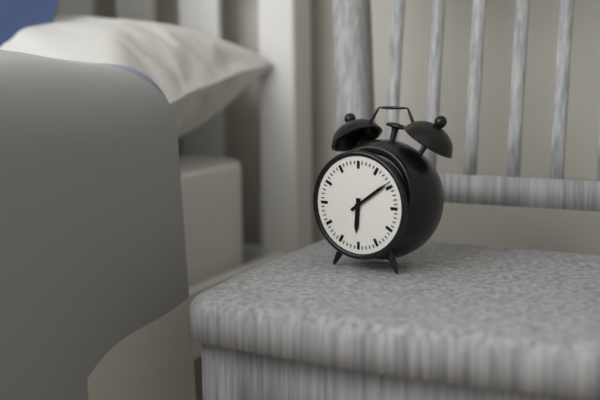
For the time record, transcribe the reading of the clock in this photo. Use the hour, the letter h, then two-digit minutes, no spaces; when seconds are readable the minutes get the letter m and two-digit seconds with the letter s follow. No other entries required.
6h09
